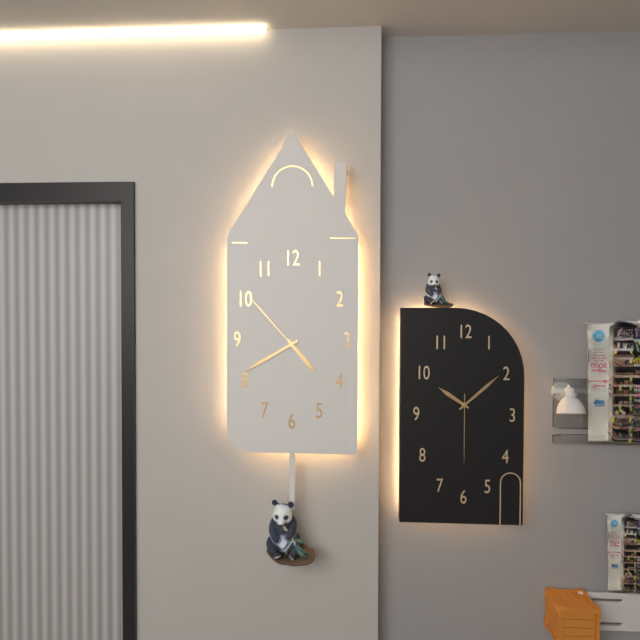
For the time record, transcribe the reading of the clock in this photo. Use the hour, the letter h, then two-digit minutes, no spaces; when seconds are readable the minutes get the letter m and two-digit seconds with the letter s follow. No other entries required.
4h40m53s
